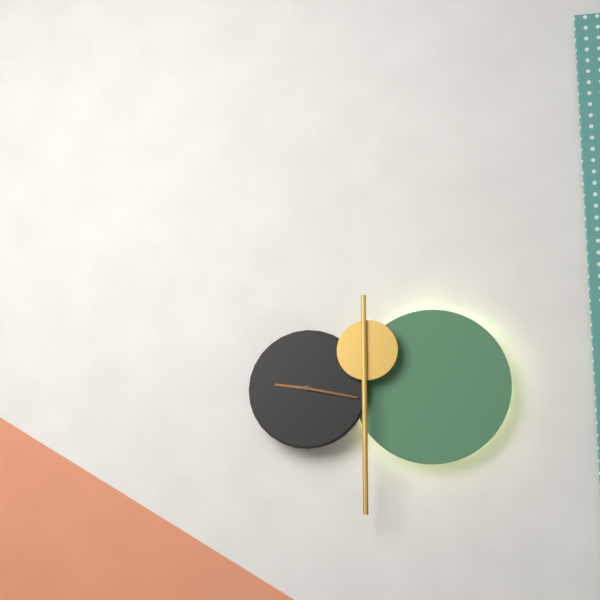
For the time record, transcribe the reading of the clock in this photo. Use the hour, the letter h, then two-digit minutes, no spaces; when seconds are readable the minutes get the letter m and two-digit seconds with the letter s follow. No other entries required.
9h17
